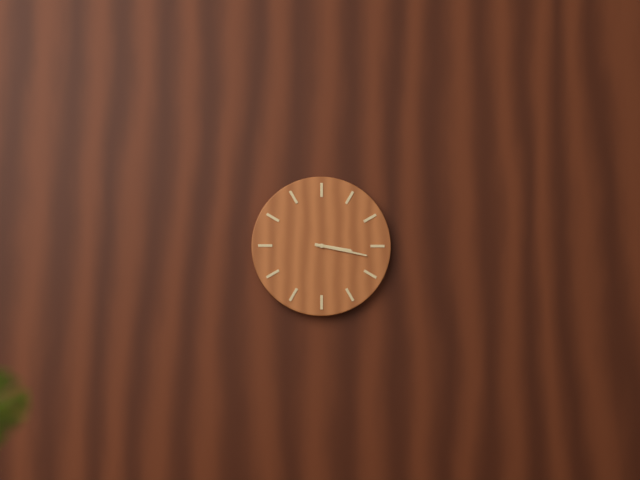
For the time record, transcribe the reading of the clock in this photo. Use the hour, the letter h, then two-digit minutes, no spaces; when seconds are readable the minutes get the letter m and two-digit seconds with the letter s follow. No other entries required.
3h17
